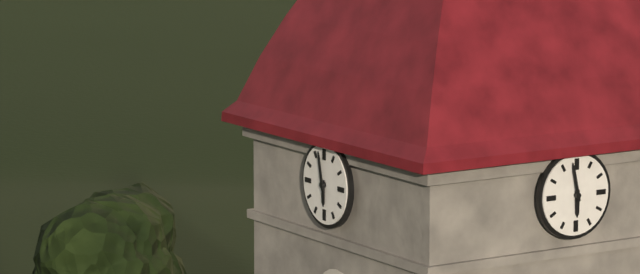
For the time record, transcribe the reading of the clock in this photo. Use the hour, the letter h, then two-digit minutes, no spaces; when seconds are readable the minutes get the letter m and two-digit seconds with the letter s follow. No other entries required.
5h58
